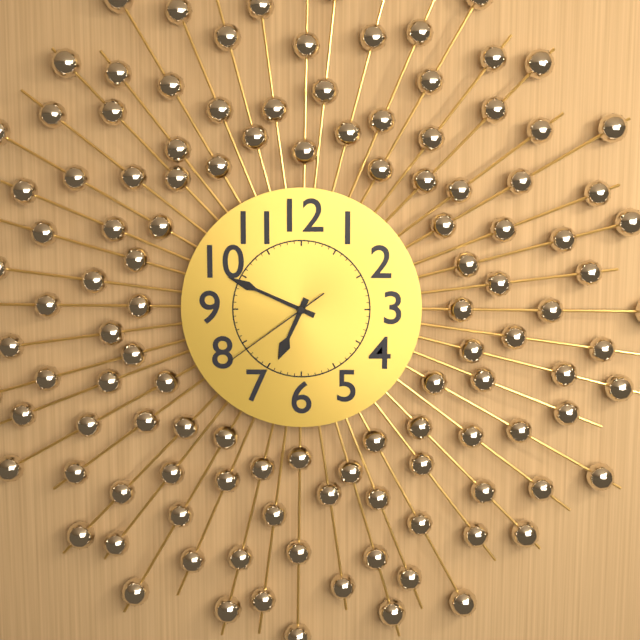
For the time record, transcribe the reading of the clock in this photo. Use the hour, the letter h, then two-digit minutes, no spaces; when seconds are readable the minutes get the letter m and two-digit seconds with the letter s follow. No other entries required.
6h49m39s
